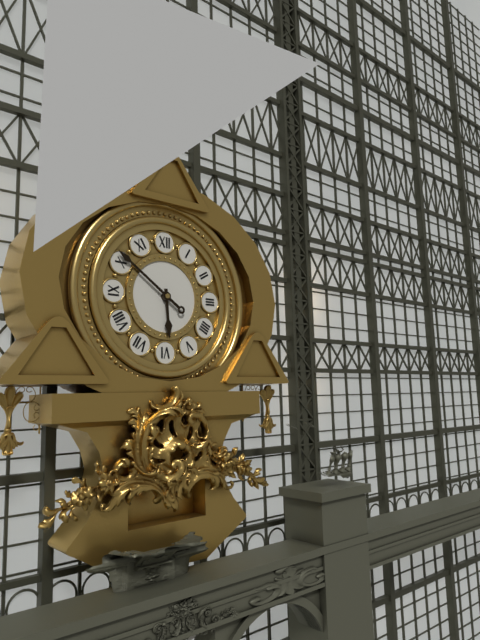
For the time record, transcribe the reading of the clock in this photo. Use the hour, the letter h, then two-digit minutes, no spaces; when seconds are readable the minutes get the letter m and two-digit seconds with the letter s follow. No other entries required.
5h51
